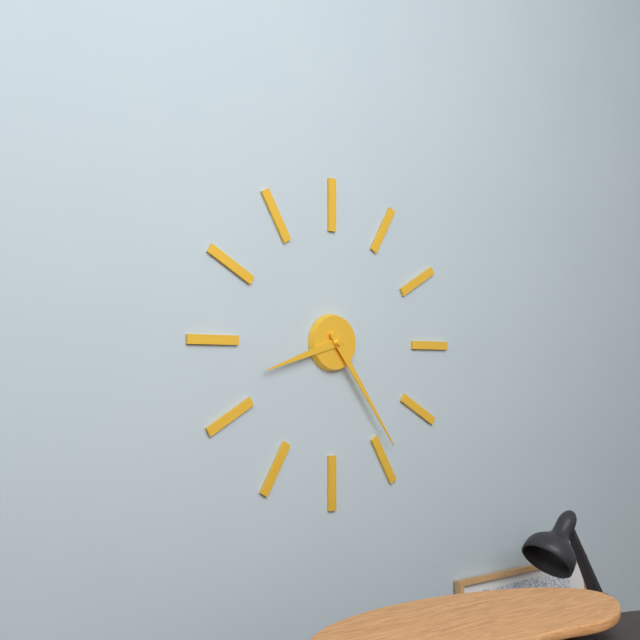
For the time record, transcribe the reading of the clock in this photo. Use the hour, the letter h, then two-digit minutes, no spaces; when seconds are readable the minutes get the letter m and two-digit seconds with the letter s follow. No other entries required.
8h24
